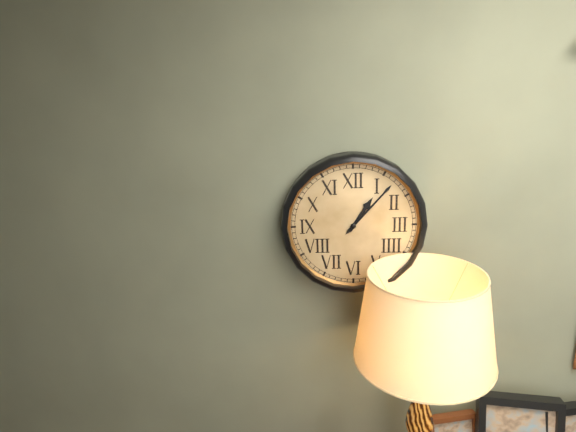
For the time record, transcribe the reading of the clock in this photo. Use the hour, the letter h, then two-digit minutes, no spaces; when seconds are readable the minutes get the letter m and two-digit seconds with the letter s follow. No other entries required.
1h07
